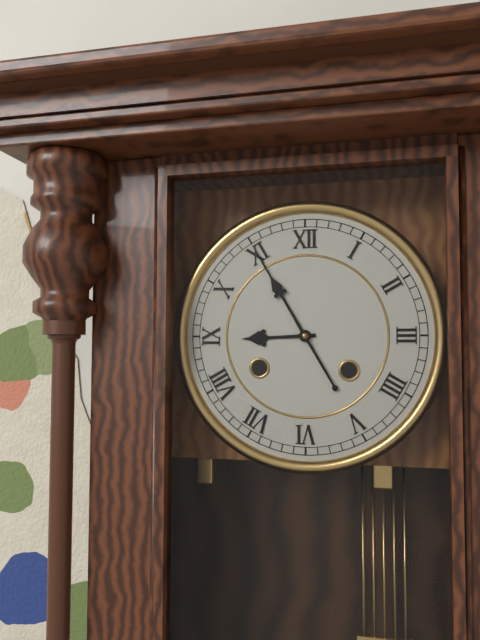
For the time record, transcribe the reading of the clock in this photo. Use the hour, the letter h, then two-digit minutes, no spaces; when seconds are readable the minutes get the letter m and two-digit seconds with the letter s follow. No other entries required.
8h55
